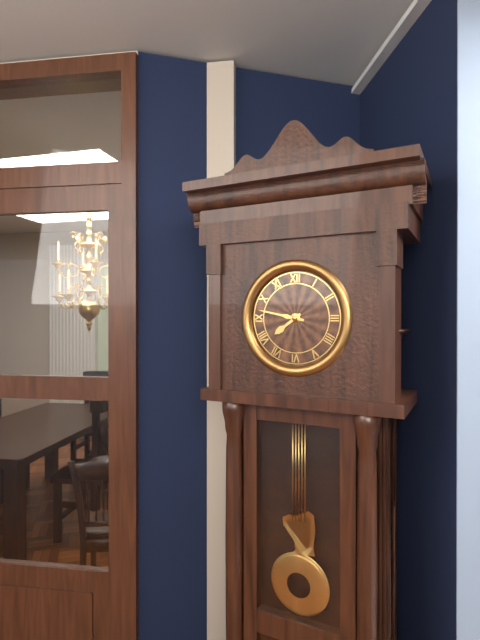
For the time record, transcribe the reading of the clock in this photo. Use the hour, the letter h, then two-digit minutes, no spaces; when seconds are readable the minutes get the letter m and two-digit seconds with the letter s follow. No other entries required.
7h47
